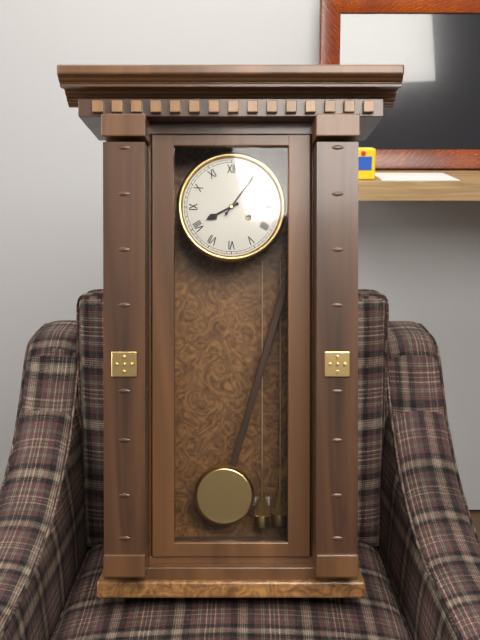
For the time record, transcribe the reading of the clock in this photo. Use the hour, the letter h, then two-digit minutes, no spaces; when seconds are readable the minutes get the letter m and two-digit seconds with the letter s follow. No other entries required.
8h06
